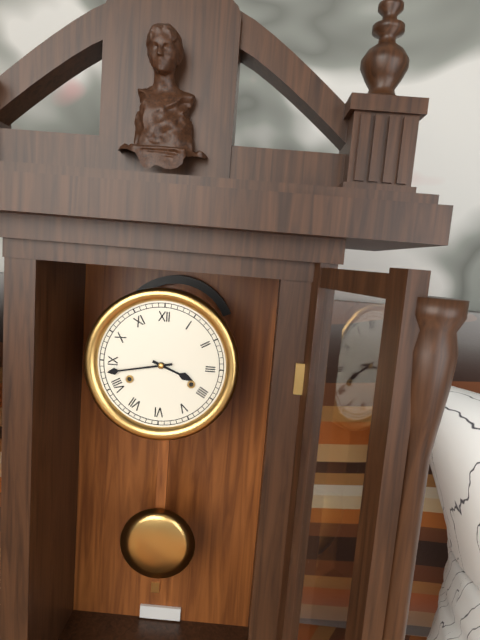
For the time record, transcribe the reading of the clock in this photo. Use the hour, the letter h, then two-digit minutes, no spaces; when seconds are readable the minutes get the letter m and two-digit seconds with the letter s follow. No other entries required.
3h43
